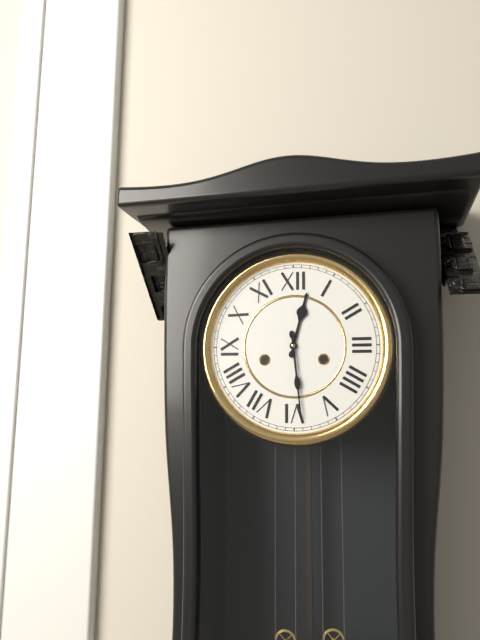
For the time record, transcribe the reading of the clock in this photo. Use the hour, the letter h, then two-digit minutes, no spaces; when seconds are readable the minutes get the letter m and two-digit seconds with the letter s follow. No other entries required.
12h29
